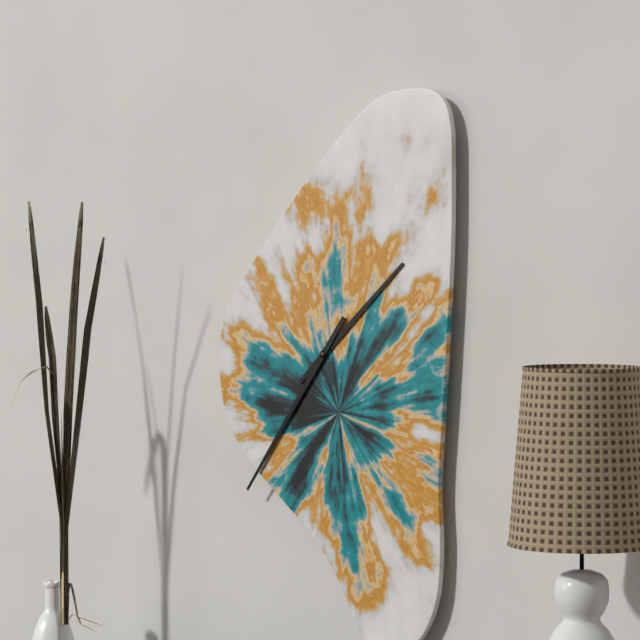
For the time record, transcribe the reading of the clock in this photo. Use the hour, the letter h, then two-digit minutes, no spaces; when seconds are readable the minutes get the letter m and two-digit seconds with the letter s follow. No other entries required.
1h36
